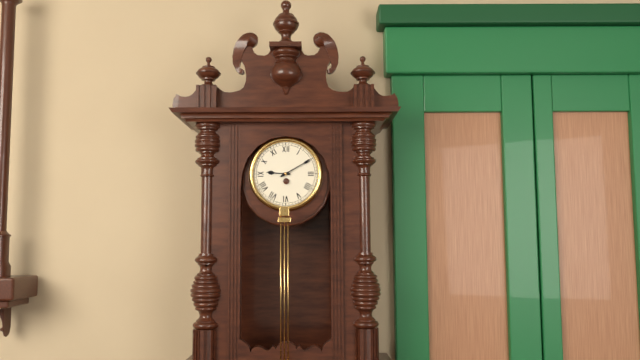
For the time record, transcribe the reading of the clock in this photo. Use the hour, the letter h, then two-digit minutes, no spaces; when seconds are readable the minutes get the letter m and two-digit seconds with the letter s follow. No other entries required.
9h10
